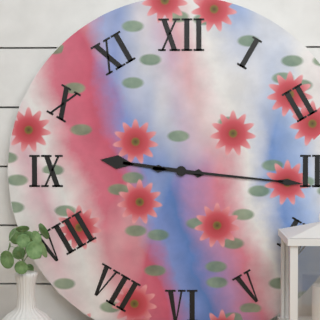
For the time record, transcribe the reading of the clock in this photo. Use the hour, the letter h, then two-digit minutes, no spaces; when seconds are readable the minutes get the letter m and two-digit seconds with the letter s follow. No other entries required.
9h16
